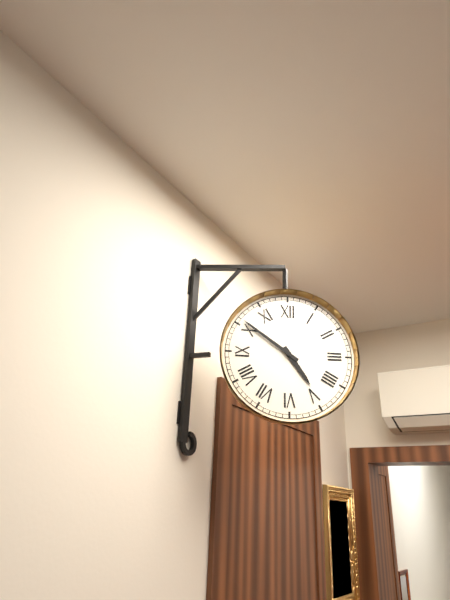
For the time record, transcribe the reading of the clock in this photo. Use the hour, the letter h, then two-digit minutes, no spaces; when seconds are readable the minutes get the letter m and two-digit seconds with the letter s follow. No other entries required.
4h51
